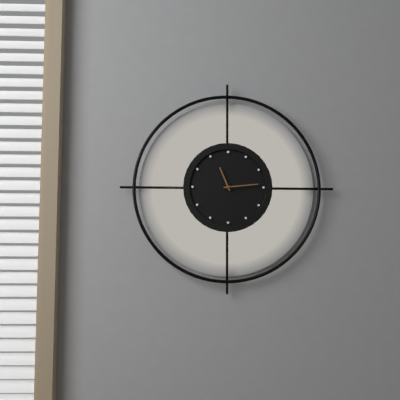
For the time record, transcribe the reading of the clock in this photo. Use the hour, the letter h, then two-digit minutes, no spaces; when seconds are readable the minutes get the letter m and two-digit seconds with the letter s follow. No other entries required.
11h14
